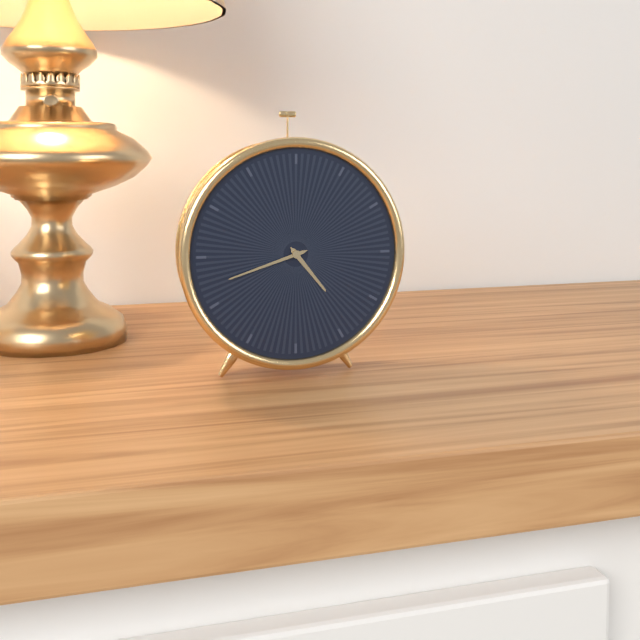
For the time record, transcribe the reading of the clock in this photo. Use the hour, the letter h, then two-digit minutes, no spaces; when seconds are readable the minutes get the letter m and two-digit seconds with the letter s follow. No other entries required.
4h42
